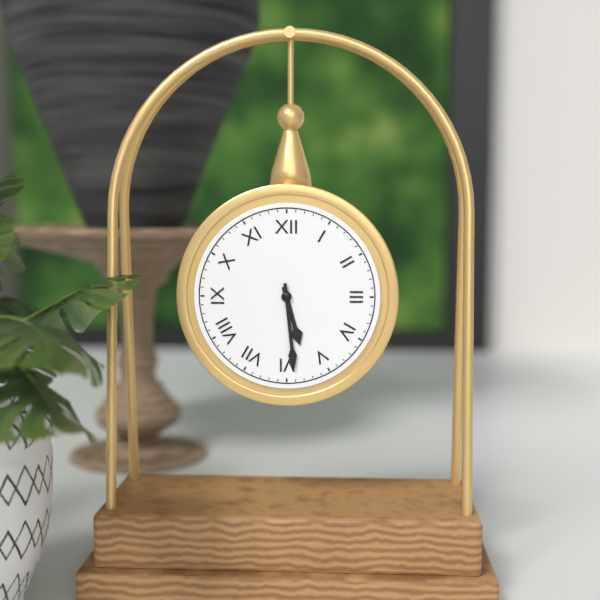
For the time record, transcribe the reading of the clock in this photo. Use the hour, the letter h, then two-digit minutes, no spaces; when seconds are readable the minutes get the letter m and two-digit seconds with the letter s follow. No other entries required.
5h29
